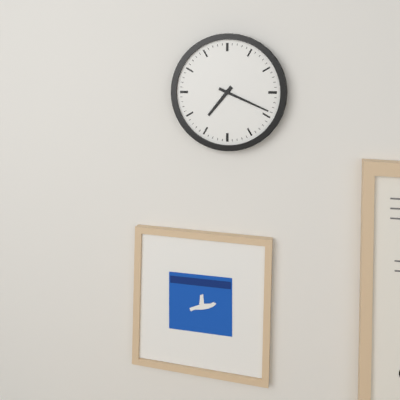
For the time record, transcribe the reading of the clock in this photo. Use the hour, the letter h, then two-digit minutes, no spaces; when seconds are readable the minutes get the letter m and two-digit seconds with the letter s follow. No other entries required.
7h19
